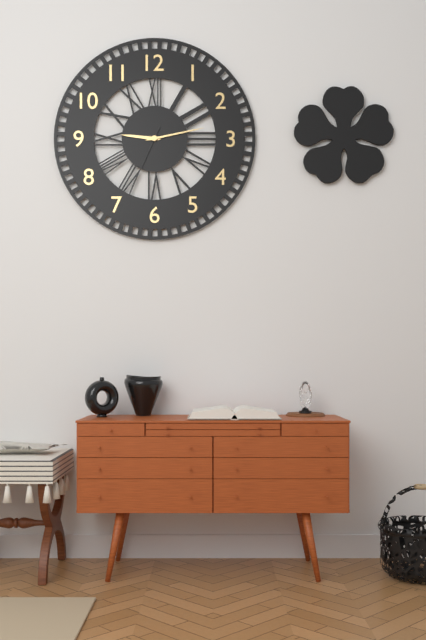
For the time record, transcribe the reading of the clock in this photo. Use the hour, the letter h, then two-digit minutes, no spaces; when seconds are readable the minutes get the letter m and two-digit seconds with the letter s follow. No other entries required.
9h13m34s
